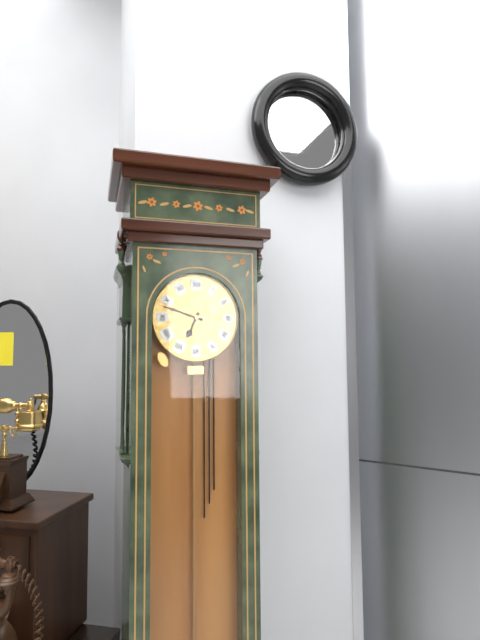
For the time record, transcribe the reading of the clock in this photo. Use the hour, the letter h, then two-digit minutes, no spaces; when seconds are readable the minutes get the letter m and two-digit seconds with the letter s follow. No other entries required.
6h48
